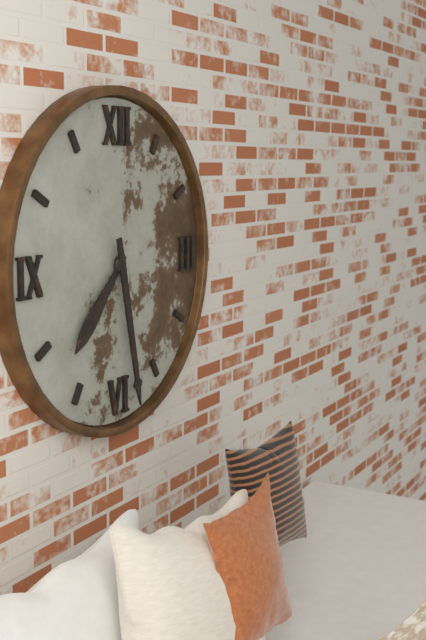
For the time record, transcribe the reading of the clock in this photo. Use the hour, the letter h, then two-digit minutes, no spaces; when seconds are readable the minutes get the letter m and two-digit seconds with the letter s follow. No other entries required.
7h28
